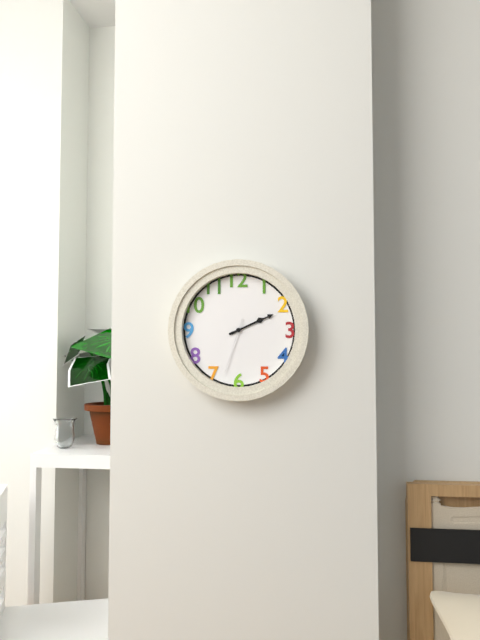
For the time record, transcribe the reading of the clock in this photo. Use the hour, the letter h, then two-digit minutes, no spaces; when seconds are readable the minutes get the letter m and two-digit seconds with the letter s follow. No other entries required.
2h11m33s
